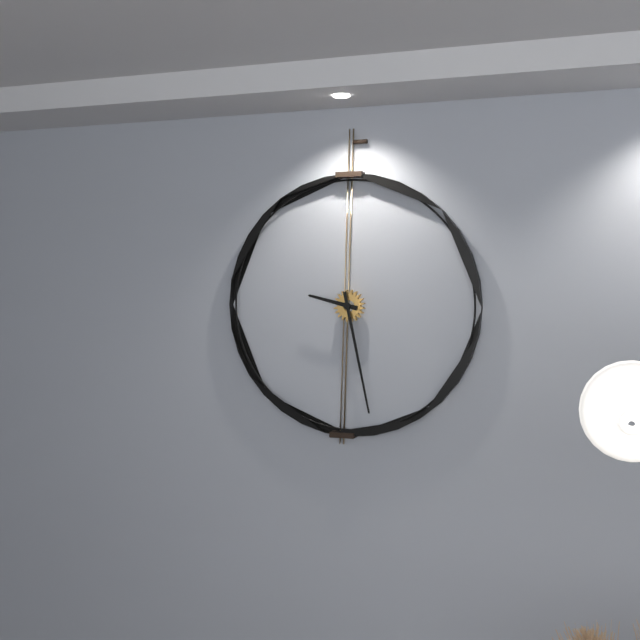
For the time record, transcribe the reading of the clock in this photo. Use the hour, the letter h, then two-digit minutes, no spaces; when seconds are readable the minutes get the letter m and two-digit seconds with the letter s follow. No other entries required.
9h28
